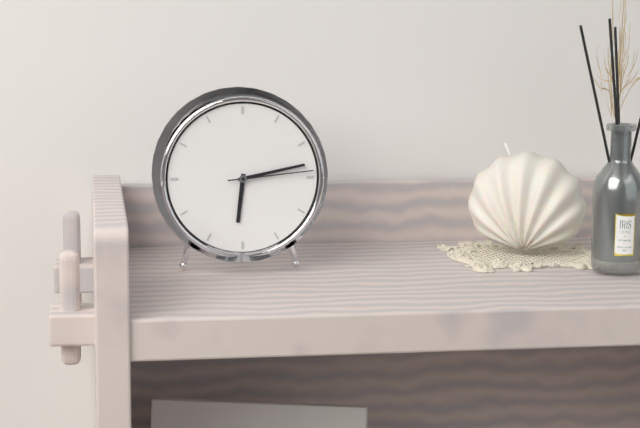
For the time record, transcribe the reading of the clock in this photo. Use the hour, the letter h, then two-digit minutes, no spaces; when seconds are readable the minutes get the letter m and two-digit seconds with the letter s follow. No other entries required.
6h13m14s
